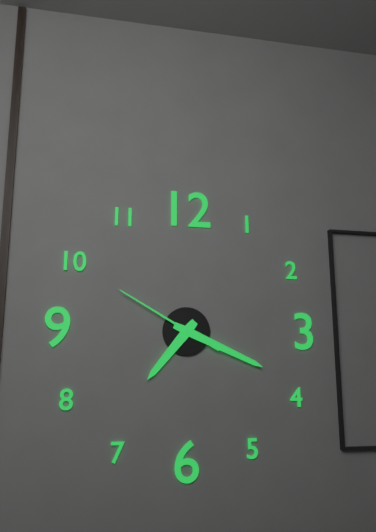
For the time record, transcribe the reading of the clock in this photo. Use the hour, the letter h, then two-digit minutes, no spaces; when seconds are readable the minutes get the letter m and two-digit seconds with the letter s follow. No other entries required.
7h19m50s
